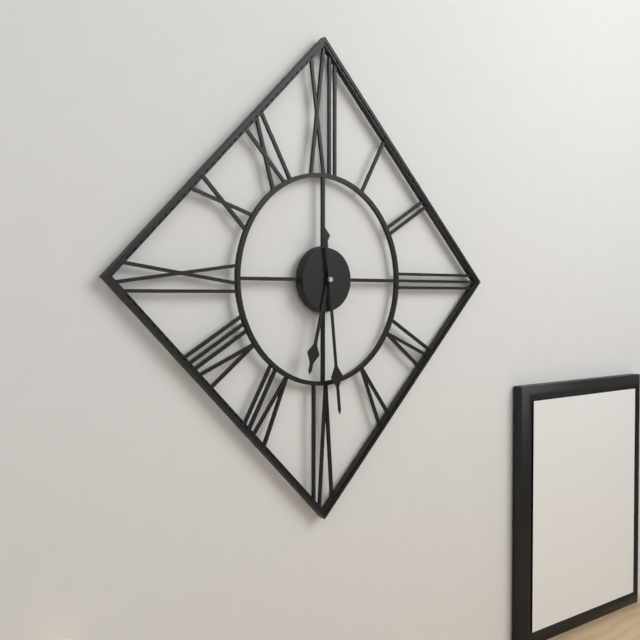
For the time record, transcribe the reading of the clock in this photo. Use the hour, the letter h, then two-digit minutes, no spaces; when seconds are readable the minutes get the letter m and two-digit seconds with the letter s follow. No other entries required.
6h29
